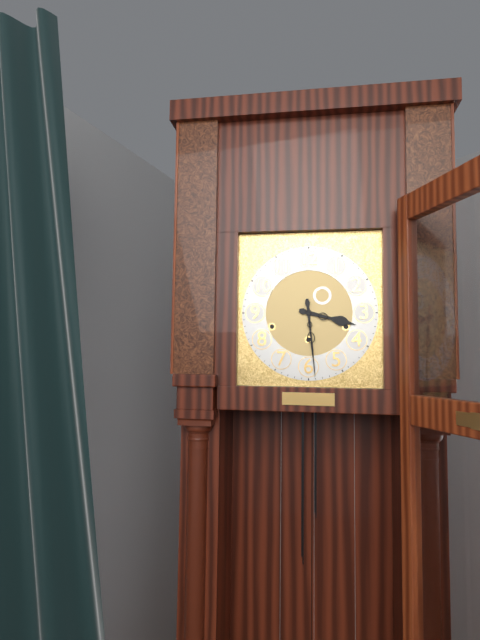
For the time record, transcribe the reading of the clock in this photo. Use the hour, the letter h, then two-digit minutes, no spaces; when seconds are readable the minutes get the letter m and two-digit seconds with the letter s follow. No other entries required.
3h29
